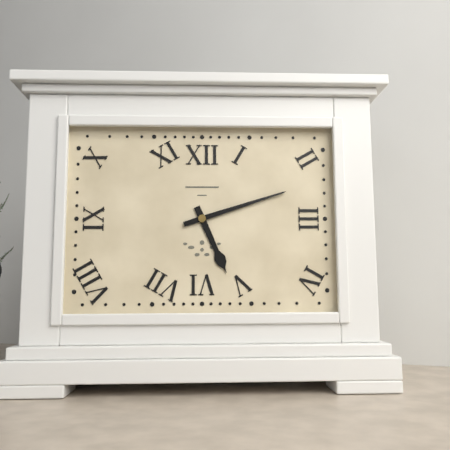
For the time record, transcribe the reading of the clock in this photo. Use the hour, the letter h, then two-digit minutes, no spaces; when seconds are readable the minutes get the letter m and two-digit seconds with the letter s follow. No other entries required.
5h12
